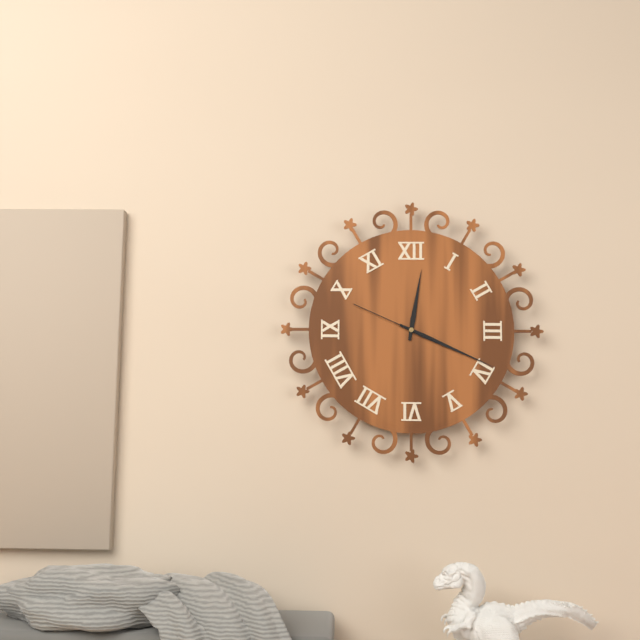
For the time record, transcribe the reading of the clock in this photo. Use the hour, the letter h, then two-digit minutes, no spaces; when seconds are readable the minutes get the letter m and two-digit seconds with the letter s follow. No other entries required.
12h19m49s
